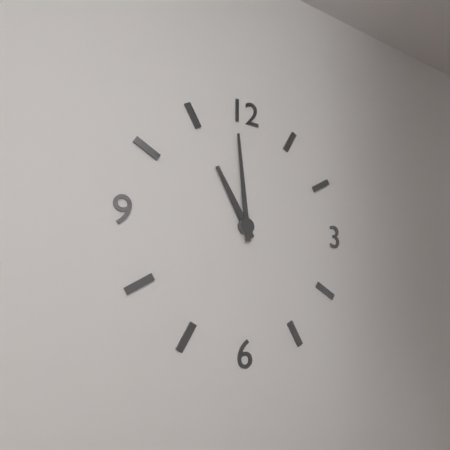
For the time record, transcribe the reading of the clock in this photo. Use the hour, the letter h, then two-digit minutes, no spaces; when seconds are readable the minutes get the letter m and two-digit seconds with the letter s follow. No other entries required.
10h59
